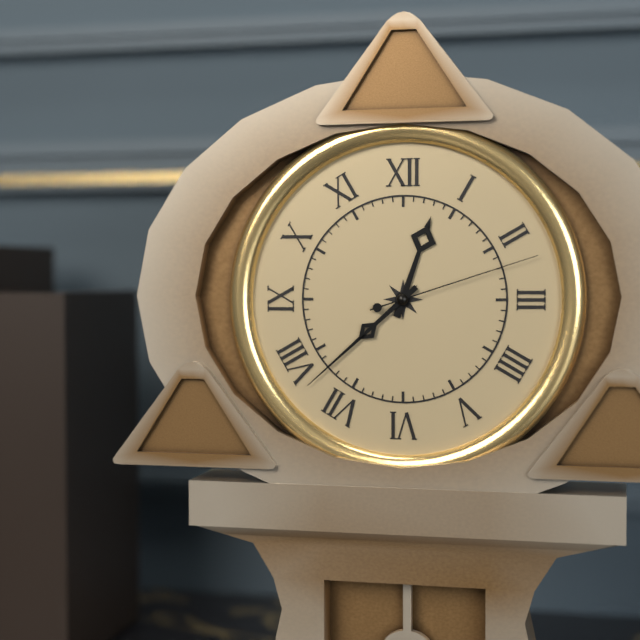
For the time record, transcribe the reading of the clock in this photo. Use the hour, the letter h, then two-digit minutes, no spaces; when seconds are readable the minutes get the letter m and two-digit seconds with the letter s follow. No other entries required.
12h38m12s
